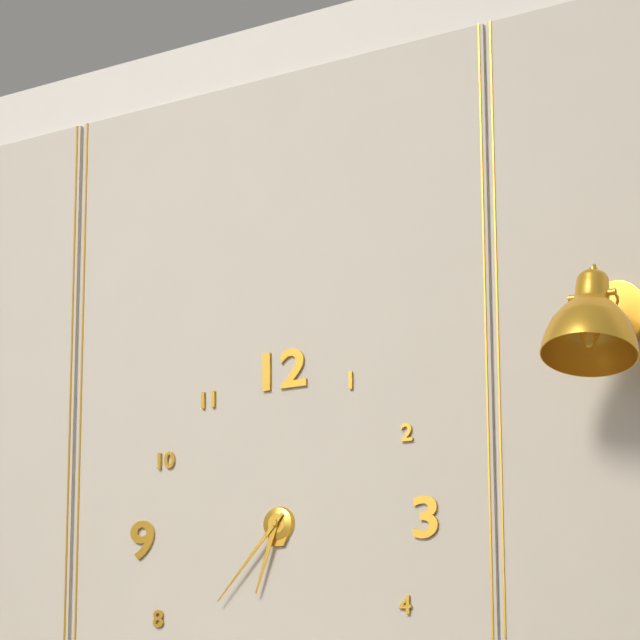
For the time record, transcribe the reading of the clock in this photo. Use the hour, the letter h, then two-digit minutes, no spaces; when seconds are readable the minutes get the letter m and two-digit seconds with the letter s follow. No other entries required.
6h37
